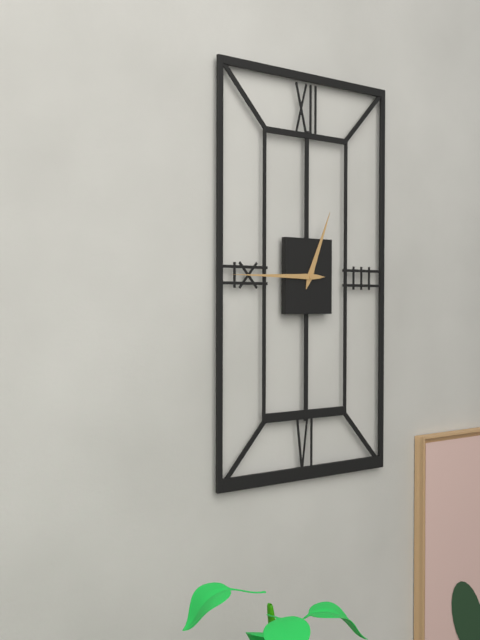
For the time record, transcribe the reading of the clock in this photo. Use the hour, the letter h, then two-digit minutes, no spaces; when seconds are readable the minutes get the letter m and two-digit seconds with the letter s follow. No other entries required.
12h45
